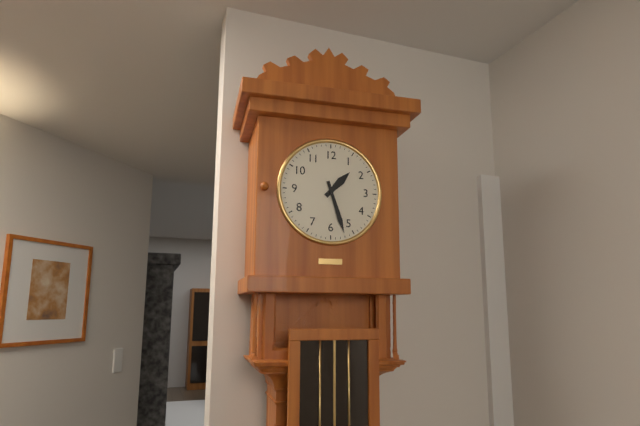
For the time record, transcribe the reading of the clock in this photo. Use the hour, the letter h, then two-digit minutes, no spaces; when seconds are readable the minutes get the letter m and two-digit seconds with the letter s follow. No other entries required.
1h27
